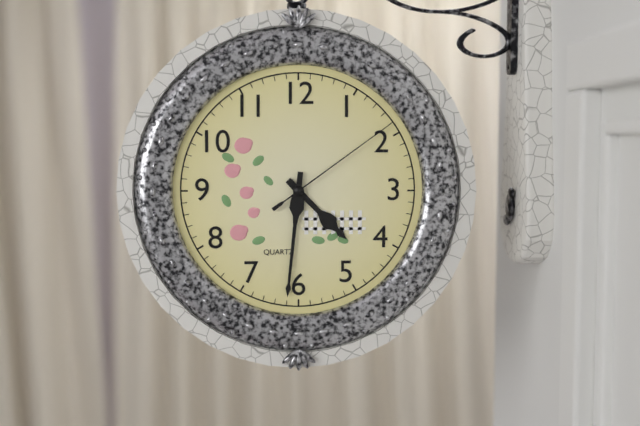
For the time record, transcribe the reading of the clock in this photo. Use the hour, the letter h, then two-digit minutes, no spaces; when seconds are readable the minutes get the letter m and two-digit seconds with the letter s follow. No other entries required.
4h31m09s
